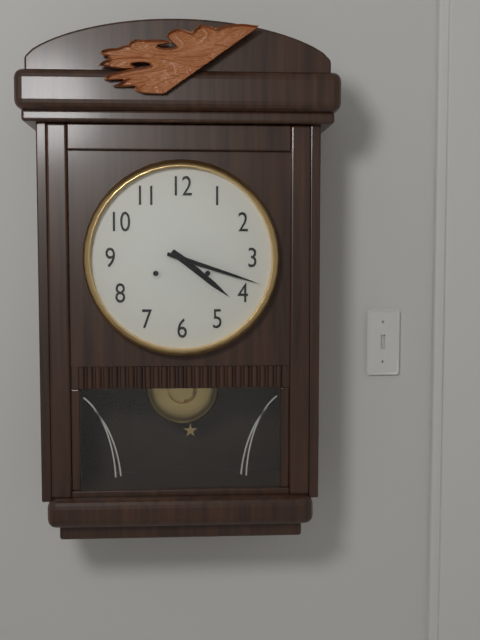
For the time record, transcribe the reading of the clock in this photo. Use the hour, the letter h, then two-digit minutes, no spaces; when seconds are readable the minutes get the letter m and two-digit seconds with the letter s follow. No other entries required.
4h18
